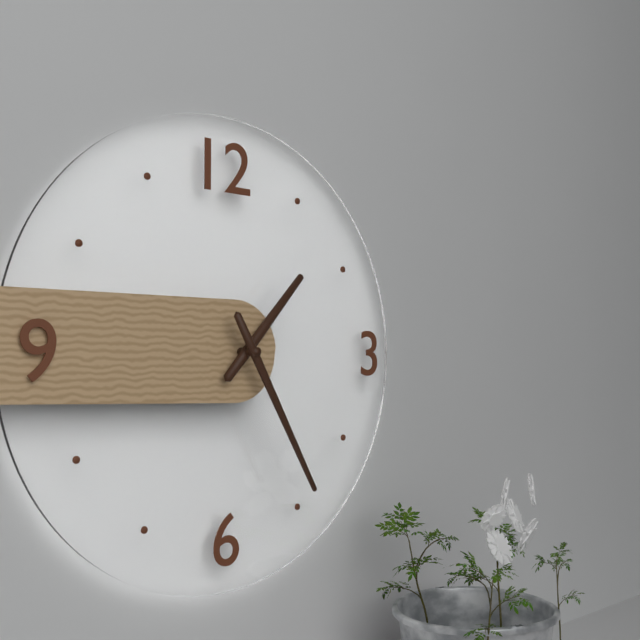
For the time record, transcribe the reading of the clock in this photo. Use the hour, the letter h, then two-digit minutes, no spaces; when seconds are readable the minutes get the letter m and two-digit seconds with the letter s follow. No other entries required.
1h25
